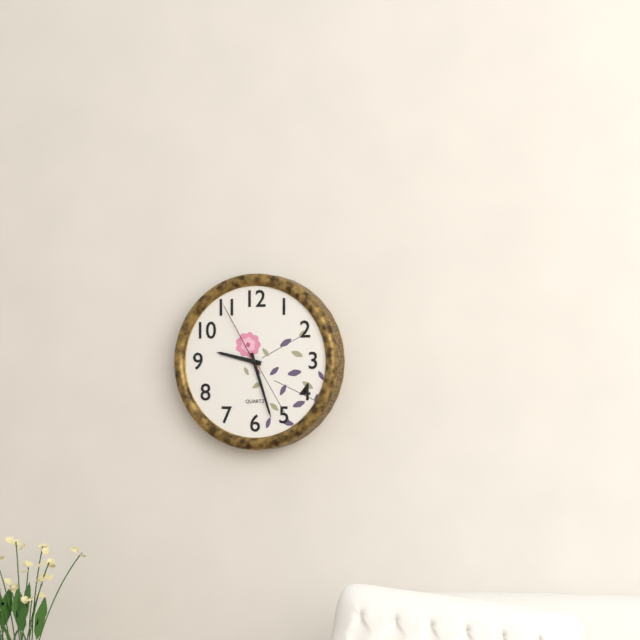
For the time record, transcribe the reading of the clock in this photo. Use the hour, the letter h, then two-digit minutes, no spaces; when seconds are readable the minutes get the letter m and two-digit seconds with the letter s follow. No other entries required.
9h27m55s
